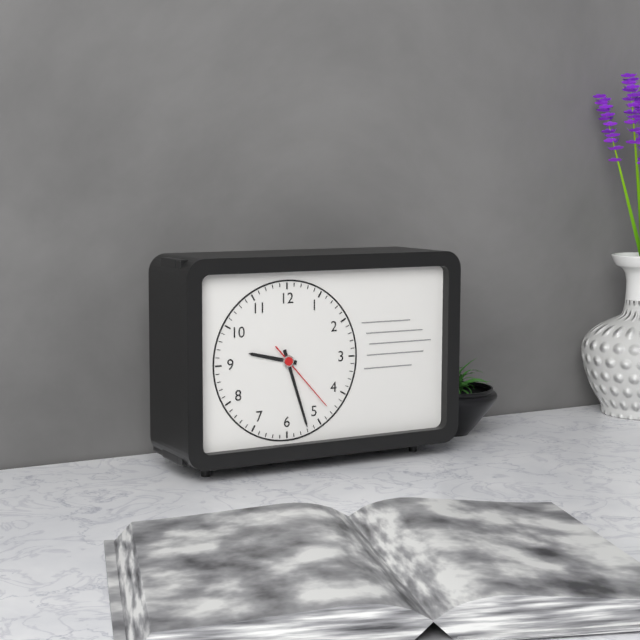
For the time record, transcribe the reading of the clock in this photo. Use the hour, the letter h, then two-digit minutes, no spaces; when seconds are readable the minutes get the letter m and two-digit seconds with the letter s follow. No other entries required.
9h27m23s
